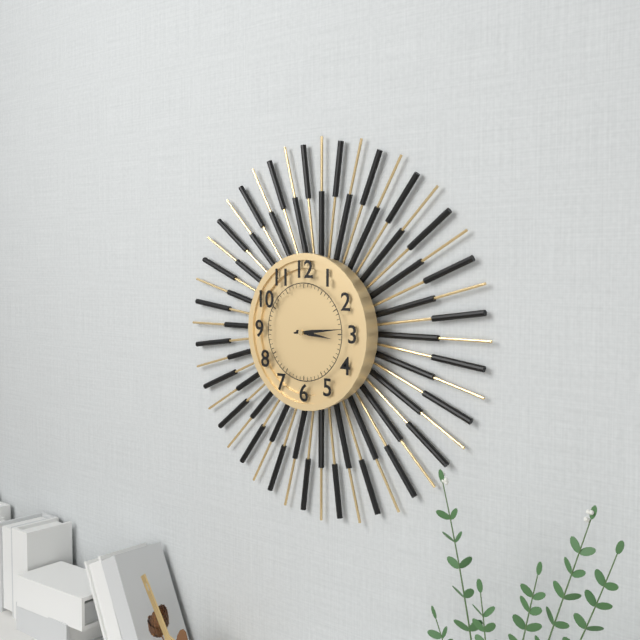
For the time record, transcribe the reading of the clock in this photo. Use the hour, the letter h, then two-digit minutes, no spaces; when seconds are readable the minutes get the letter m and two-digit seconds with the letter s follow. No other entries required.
3h14
